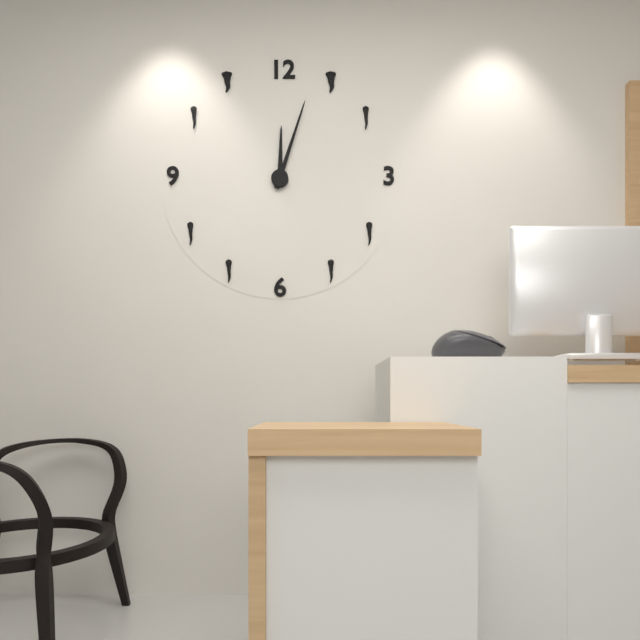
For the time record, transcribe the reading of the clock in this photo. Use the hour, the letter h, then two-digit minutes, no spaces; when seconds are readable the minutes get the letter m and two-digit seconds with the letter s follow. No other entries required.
12h03
